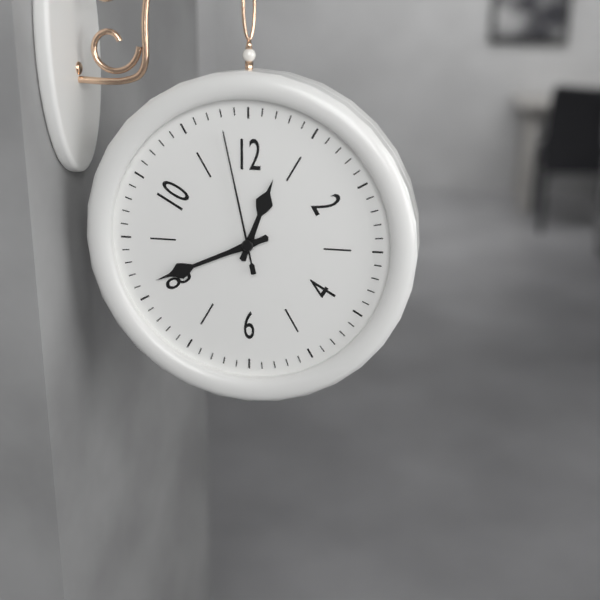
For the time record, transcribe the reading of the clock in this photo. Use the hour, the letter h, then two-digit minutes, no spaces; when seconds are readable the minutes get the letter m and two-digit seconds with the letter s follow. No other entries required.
12h41m58s
